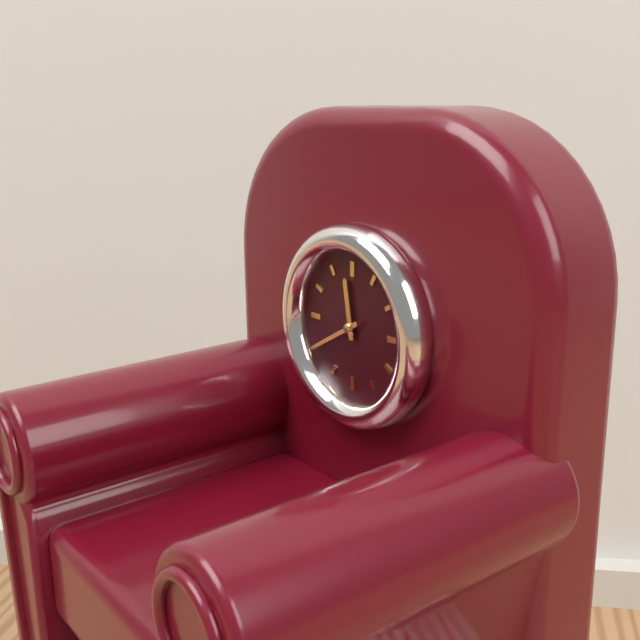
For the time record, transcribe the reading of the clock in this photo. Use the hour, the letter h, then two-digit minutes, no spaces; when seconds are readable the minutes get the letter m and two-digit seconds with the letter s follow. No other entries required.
11h40
